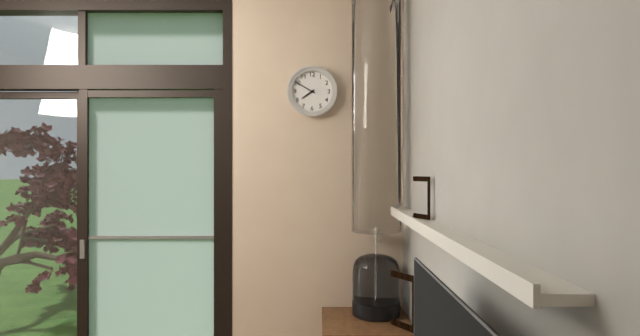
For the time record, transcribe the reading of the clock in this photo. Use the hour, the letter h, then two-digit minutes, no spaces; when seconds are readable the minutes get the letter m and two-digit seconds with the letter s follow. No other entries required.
7h50
